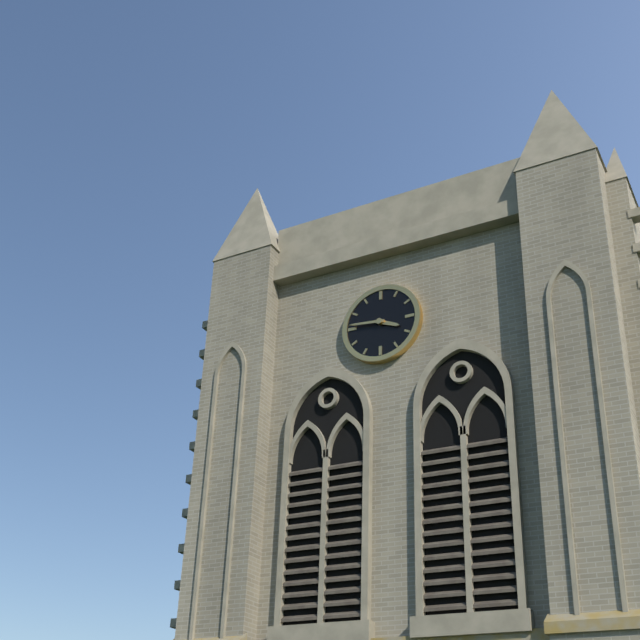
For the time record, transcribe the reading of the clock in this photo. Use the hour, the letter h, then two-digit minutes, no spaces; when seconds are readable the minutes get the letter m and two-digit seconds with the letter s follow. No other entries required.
3h46
